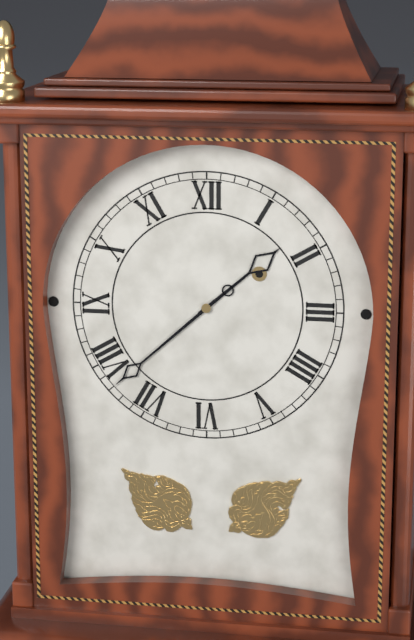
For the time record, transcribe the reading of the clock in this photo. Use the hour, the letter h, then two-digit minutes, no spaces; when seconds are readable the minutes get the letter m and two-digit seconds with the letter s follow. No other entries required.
1h38
